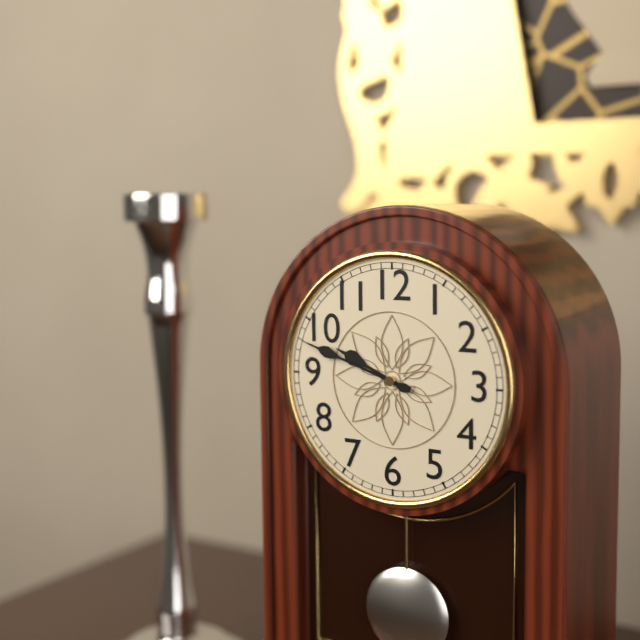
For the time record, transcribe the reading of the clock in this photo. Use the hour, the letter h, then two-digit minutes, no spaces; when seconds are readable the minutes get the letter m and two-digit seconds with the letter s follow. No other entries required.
9h48
